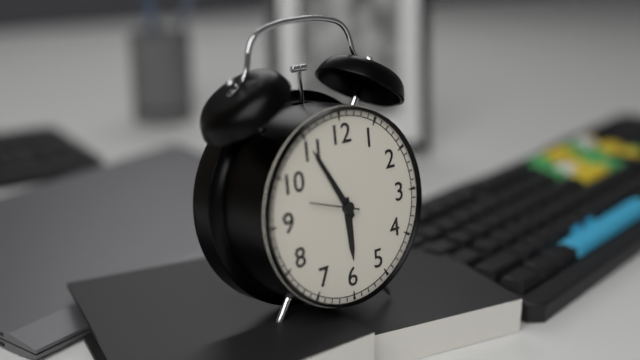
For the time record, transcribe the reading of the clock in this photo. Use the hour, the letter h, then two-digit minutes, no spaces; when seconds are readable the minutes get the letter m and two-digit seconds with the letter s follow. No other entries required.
5h55
